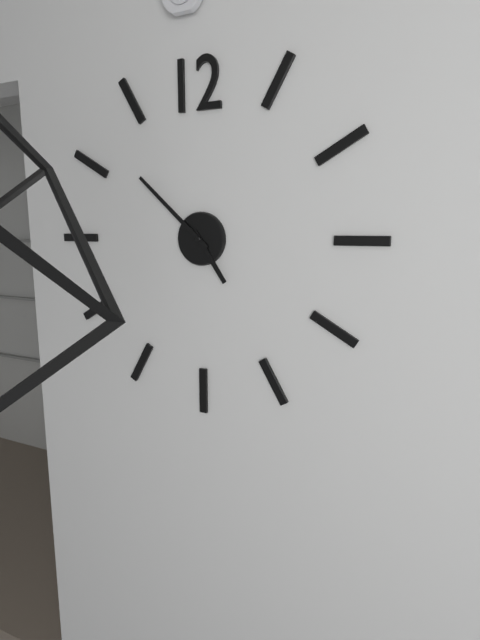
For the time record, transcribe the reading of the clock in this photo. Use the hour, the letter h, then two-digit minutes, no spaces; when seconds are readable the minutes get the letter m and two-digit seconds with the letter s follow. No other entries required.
4h52
